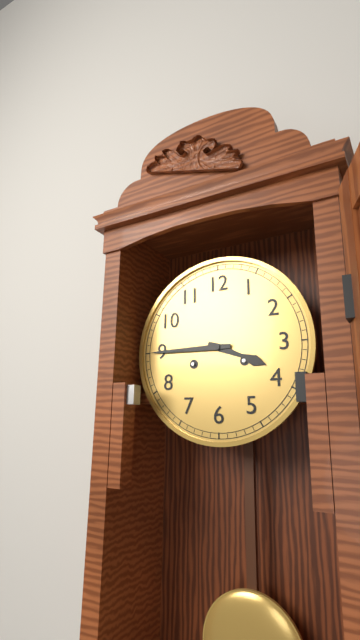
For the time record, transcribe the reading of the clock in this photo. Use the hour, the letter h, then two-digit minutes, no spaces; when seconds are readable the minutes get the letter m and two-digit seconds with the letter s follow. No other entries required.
3h45
